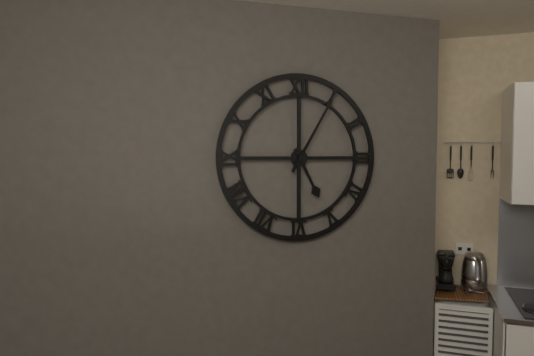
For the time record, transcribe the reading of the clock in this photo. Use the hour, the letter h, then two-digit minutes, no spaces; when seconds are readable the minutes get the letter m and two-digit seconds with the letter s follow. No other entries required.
5h05
